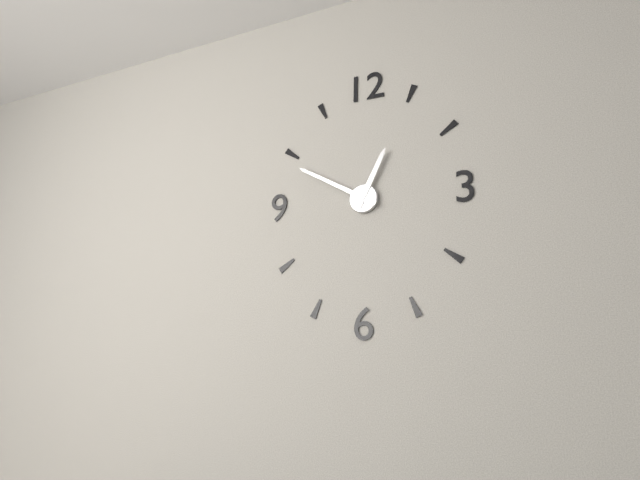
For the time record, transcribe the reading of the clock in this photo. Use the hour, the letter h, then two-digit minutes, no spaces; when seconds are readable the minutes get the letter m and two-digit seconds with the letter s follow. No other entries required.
12h50
